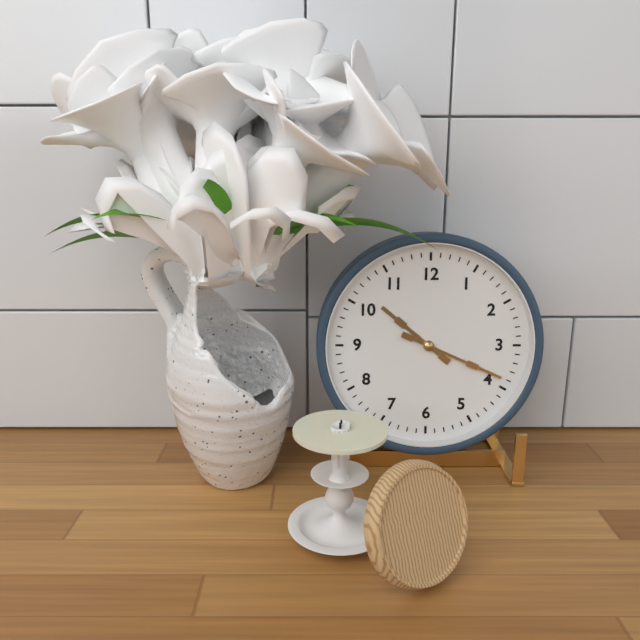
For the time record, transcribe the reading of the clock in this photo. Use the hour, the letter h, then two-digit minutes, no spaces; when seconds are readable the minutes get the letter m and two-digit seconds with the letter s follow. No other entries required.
10h19
